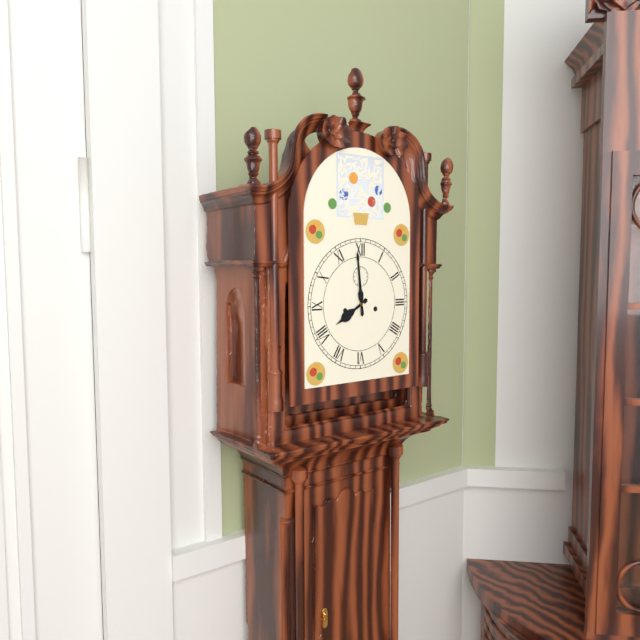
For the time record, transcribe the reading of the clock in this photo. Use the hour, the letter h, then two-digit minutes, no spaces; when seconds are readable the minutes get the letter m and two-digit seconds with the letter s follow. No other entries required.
7h59
